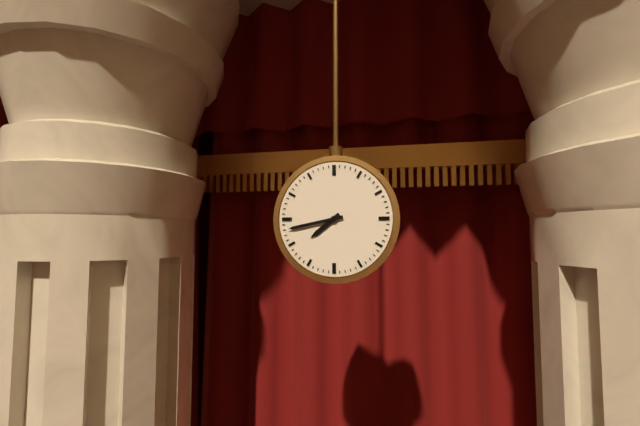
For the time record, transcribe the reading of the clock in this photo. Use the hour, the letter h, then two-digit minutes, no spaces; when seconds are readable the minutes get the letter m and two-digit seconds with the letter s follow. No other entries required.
7h43
